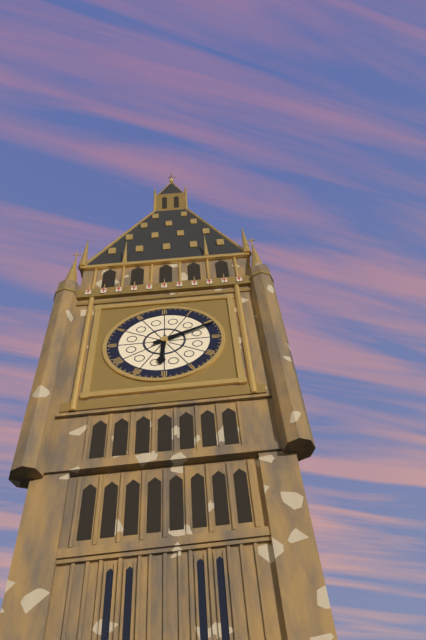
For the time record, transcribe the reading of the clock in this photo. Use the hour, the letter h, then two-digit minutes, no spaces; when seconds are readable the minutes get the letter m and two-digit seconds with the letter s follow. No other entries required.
6h11
